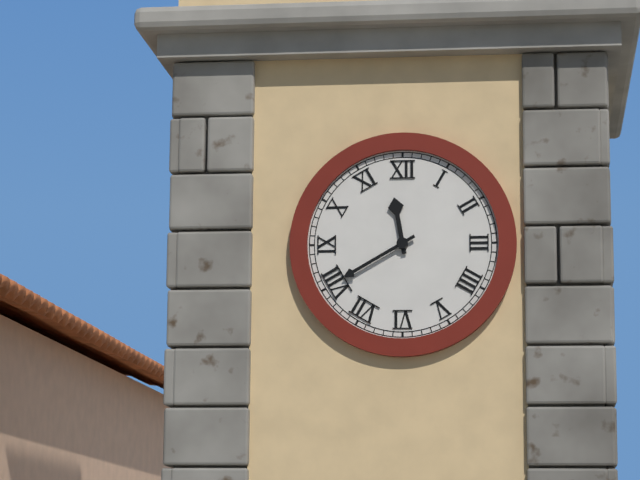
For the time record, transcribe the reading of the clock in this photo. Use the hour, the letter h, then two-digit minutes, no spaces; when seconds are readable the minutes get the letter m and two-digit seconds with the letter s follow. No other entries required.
11h40
